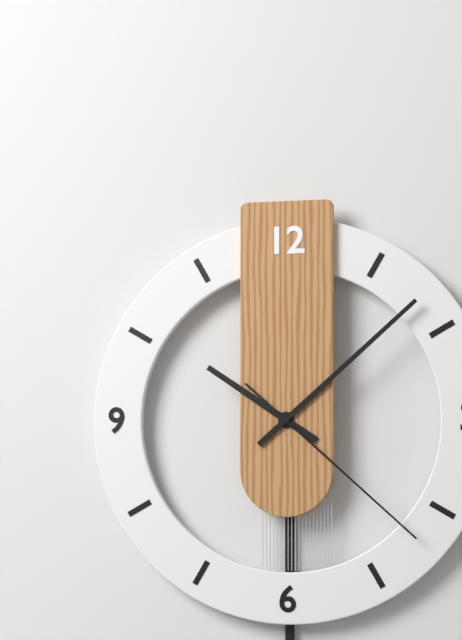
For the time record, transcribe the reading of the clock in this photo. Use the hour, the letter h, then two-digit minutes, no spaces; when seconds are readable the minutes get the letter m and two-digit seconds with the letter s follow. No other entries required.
10h08m22s
